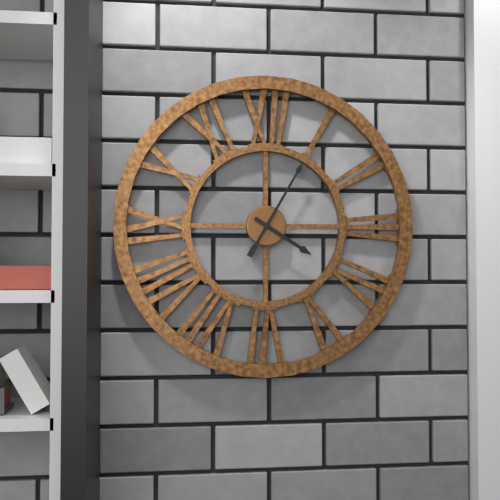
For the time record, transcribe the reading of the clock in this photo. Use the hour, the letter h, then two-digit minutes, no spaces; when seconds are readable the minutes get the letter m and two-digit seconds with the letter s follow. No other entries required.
4h05
